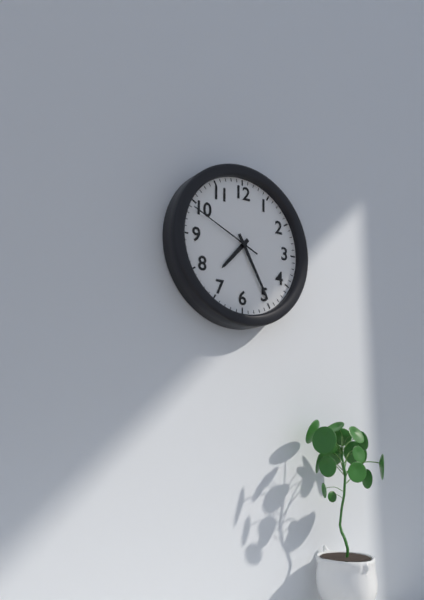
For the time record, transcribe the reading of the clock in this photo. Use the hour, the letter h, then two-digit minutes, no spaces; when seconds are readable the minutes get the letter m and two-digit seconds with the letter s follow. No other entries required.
7h25m49s
